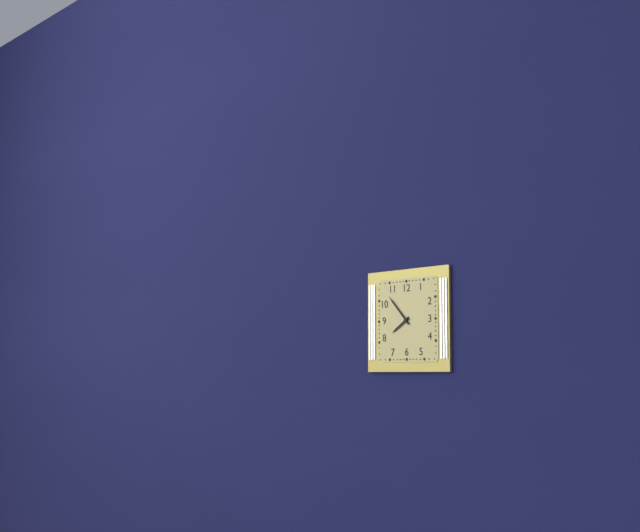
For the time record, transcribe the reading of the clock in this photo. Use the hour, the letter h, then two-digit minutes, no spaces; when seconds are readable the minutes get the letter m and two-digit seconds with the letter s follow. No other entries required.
7h53
